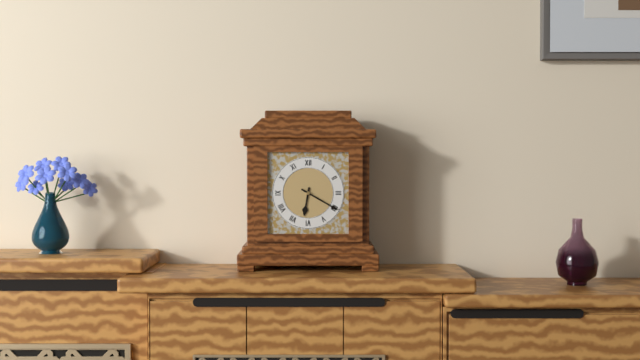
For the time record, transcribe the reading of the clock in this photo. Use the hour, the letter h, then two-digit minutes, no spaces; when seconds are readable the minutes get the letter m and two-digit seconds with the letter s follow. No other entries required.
6h20
